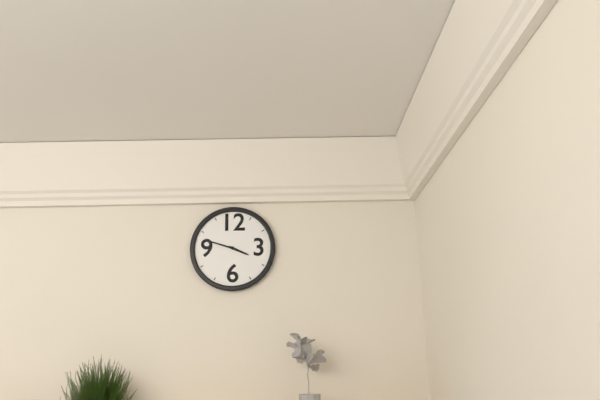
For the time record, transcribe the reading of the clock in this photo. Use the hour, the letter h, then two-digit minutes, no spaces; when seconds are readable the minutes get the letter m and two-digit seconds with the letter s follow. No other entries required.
3h48
